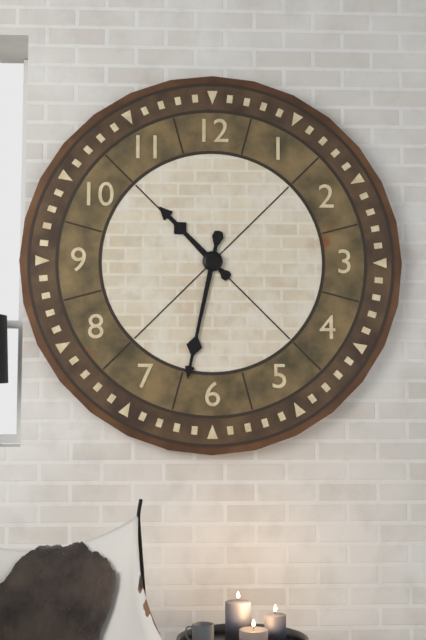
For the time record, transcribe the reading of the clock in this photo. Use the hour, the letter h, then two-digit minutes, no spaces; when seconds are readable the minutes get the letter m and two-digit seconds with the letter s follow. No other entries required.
10h32
